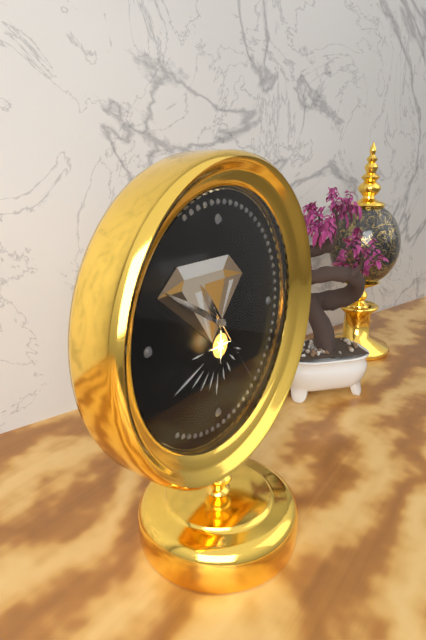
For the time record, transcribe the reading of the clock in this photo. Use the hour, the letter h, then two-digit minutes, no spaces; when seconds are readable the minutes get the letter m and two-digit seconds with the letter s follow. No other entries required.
10h50m24s
